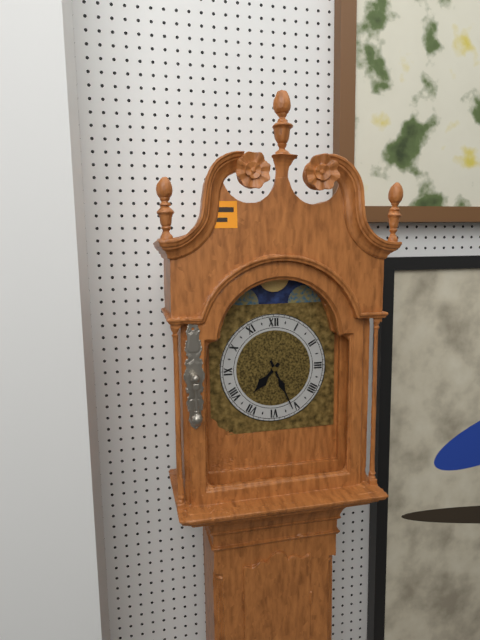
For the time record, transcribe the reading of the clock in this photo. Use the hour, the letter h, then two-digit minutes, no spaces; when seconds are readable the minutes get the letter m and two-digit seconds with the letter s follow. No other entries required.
7h26
